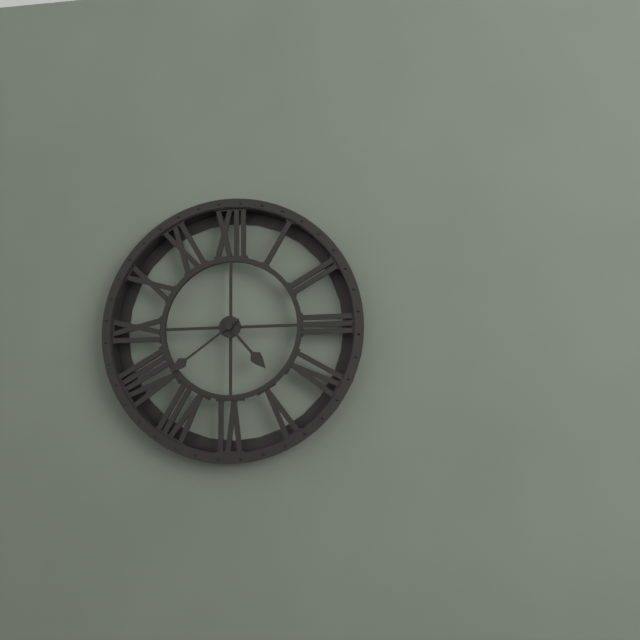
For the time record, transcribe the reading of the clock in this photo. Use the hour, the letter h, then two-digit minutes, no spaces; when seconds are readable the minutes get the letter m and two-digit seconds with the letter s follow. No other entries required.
4h39
